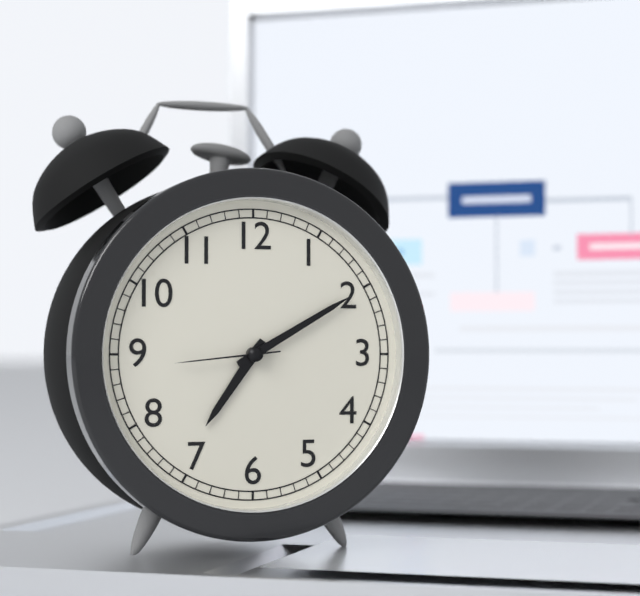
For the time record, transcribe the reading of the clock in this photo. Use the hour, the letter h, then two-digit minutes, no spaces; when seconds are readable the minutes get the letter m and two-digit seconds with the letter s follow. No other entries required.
7h10m44s
